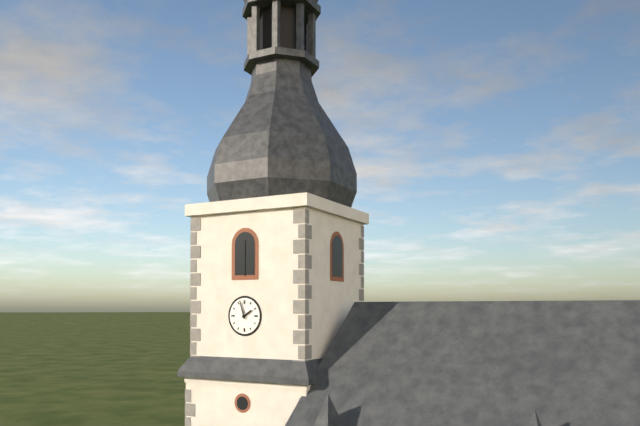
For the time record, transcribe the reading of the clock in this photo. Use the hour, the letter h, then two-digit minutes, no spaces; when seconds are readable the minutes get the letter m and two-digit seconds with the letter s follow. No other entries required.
1h57
